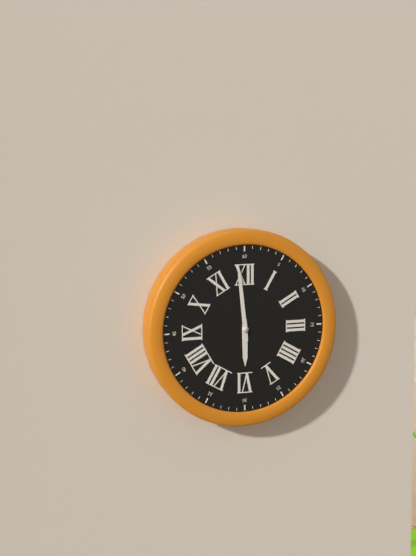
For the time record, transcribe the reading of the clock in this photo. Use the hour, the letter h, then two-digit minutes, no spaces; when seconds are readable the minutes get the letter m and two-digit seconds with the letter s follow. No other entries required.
5h59
